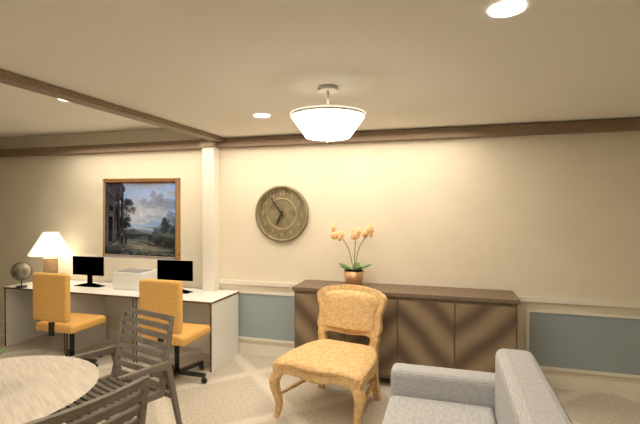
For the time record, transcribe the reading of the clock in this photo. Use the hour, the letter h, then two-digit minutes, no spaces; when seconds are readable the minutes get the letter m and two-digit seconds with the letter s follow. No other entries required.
6h54
